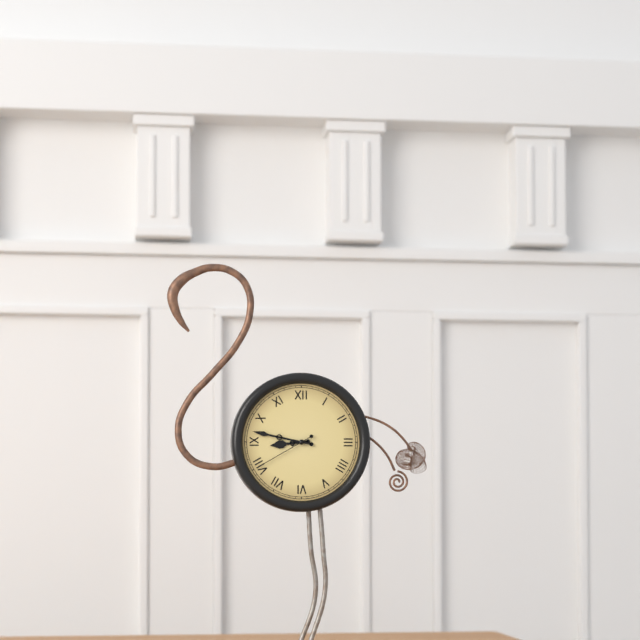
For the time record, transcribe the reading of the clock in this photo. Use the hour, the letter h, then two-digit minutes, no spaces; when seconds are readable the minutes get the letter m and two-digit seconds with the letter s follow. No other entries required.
8h47m40s
